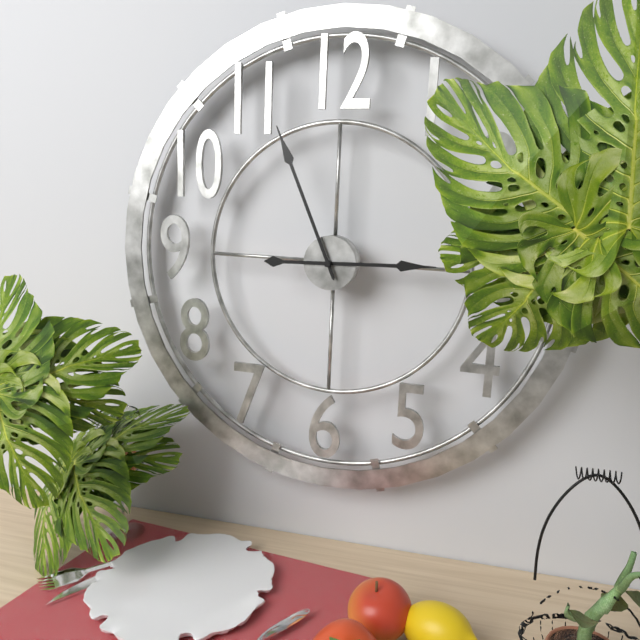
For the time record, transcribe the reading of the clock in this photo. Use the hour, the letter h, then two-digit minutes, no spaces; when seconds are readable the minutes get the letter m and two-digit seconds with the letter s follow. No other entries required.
2h56
